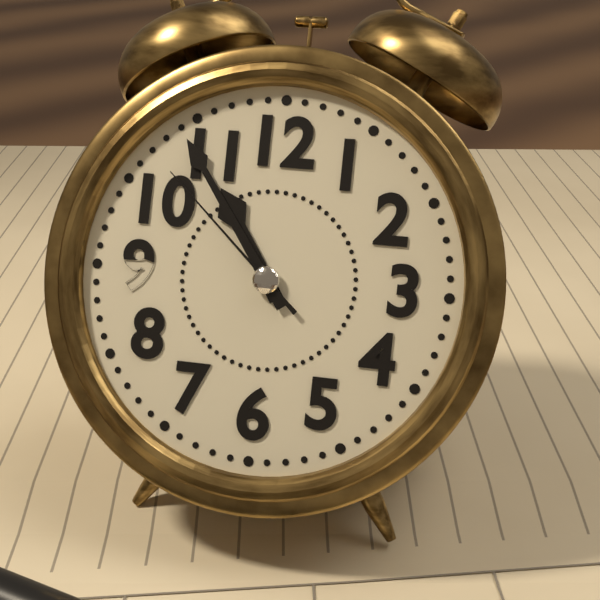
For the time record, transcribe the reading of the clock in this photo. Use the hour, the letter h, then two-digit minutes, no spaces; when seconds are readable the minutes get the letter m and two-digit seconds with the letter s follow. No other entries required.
10h54m52s
